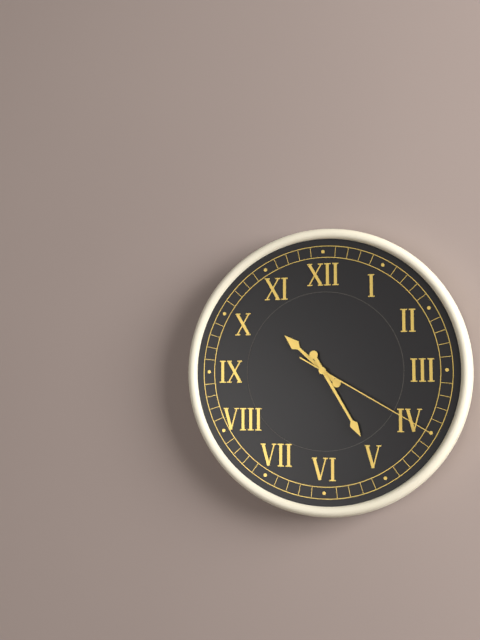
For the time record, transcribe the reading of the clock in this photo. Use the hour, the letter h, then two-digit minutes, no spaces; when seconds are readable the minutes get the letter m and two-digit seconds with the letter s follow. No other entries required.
10h25m20s
